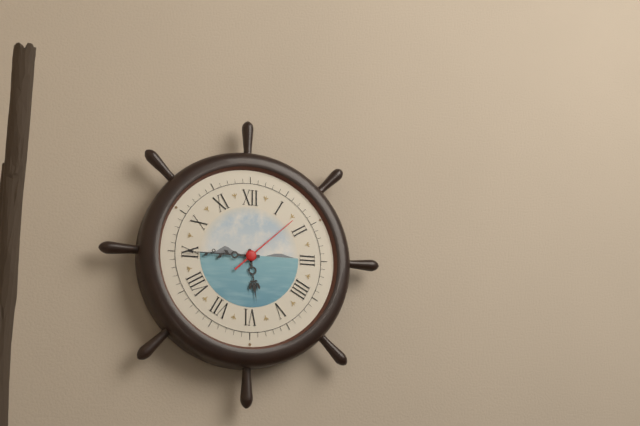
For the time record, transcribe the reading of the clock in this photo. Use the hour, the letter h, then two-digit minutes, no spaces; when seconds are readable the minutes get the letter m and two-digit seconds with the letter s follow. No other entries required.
5h45m08s
